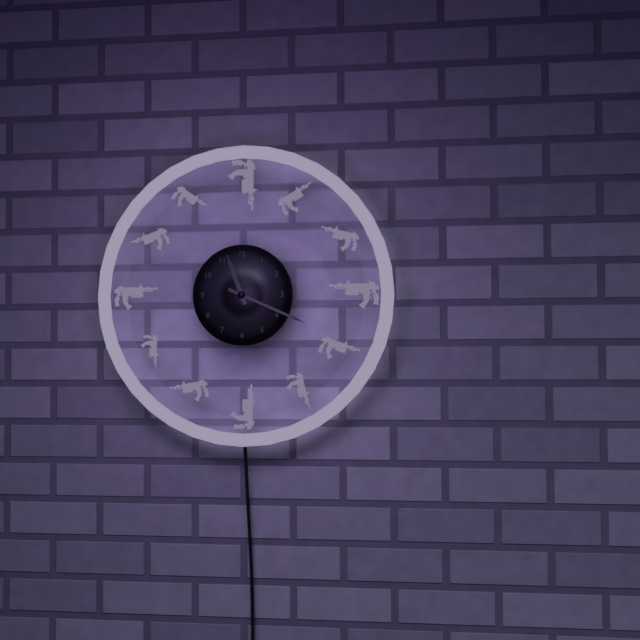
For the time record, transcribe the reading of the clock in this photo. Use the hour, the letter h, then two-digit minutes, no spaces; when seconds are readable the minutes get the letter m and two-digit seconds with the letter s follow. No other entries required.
11h19
